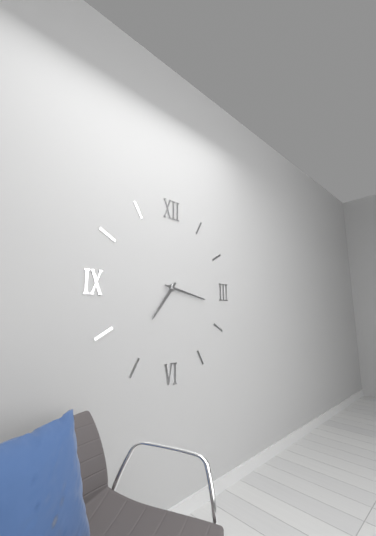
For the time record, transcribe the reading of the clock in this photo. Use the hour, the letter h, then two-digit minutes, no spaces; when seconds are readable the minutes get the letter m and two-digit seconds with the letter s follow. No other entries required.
7h17
